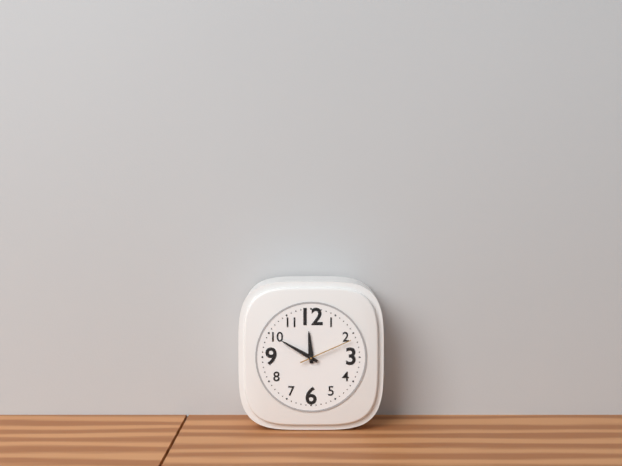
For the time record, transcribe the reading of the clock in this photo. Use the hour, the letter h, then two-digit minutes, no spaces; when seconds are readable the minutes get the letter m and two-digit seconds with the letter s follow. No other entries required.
11h50m11s
